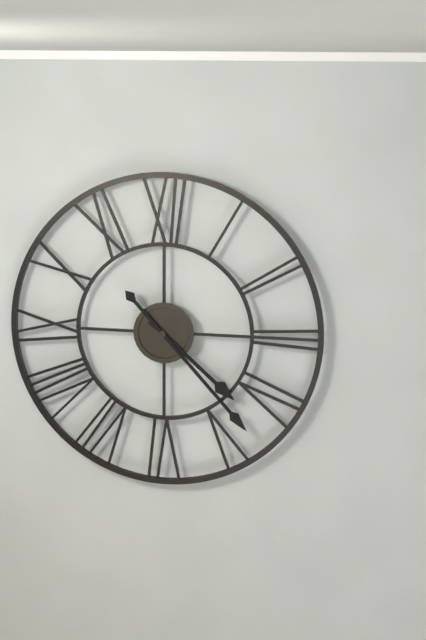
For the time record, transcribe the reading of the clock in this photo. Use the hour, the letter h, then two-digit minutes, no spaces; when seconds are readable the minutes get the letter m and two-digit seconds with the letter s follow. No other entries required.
4h23
